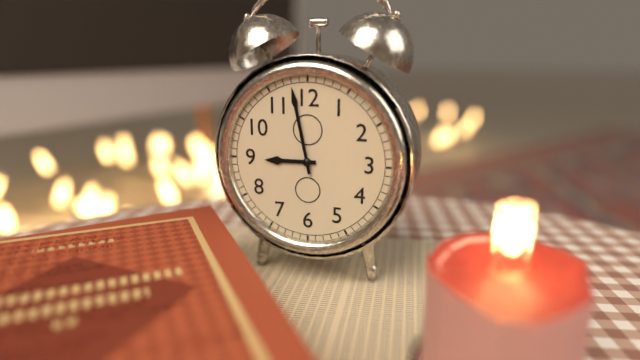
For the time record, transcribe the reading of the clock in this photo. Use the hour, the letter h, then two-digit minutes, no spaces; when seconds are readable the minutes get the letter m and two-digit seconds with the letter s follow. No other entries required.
8h58
